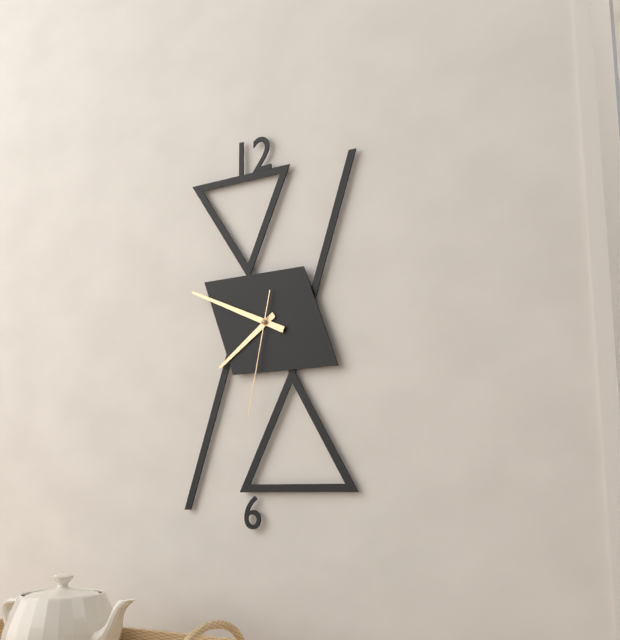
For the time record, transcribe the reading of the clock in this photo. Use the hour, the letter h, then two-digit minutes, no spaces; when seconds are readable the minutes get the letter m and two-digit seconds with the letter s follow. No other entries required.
7h49m32s
